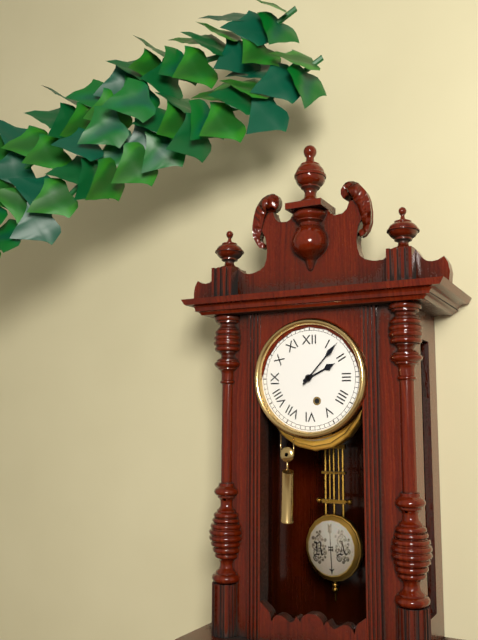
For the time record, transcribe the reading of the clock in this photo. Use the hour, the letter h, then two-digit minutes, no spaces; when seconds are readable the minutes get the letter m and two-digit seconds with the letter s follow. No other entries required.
2h07
